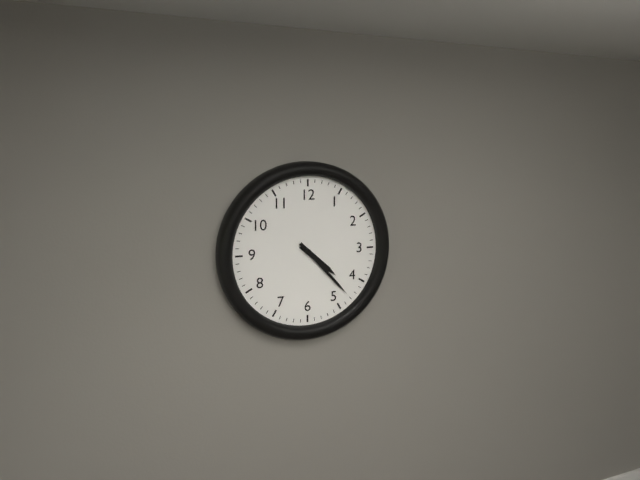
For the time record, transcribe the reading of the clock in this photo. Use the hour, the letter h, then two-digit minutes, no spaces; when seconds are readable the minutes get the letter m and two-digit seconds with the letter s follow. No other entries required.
4h23
